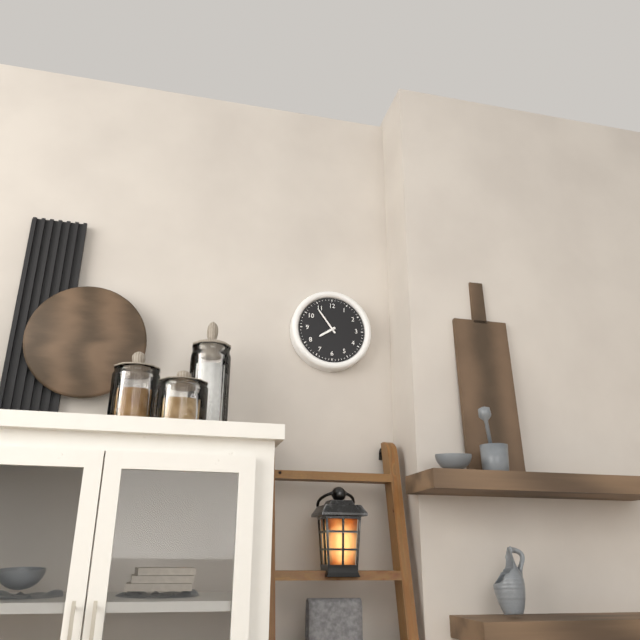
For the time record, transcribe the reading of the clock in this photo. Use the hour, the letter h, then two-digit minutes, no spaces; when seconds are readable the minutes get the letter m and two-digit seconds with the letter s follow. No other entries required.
7h54
